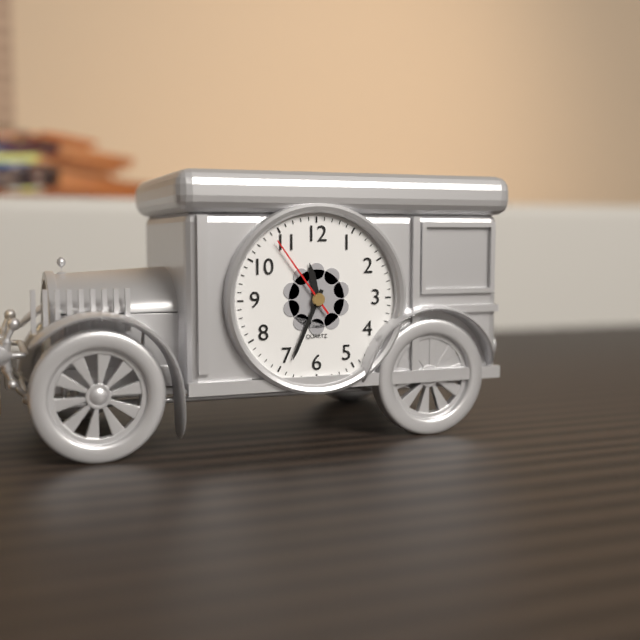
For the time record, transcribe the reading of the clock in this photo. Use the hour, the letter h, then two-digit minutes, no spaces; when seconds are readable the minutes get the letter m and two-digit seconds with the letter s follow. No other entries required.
11h34m54s
